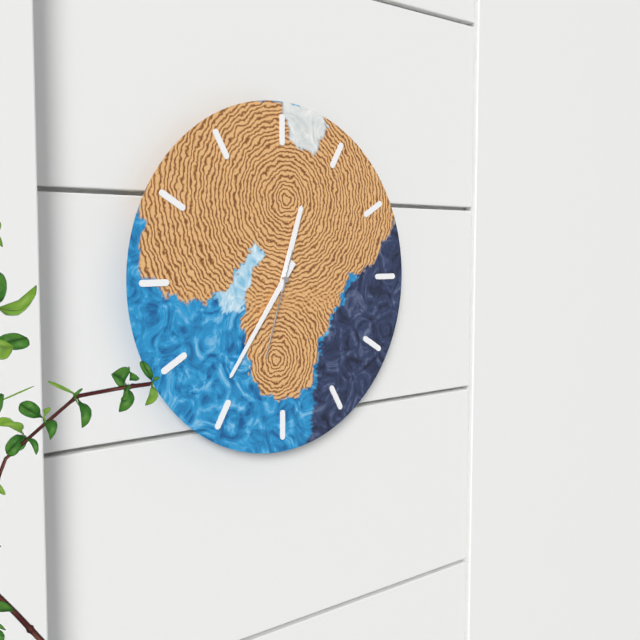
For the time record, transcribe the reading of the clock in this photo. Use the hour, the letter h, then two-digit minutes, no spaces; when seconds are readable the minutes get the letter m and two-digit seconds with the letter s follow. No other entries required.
12h36m33s
